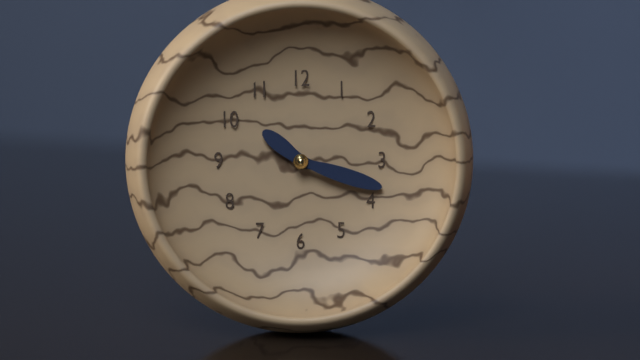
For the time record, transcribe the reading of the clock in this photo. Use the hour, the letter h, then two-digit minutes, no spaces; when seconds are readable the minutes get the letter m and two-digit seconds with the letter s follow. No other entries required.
10h18
